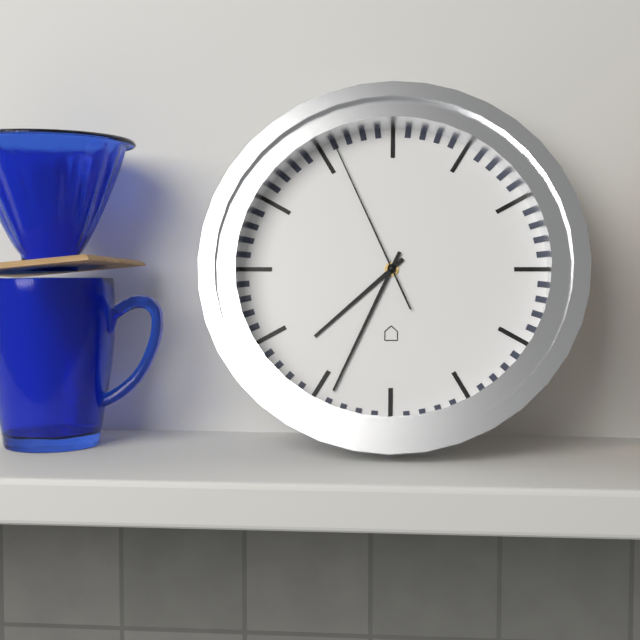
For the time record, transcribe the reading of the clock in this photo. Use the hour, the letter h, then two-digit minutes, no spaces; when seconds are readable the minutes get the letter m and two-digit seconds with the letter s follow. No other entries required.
7h34m56s
